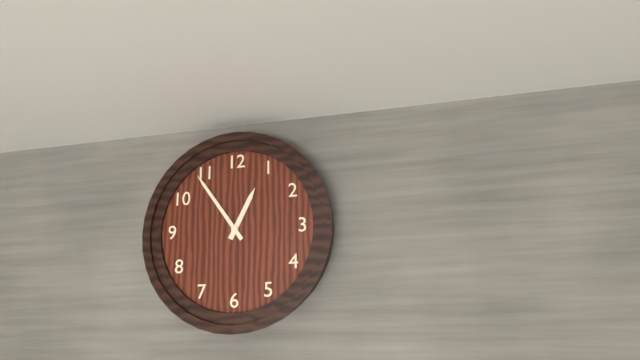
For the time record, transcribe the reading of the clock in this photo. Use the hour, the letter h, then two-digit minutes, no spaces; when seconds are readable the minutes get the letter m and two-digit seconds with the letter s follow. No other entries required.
12h54
